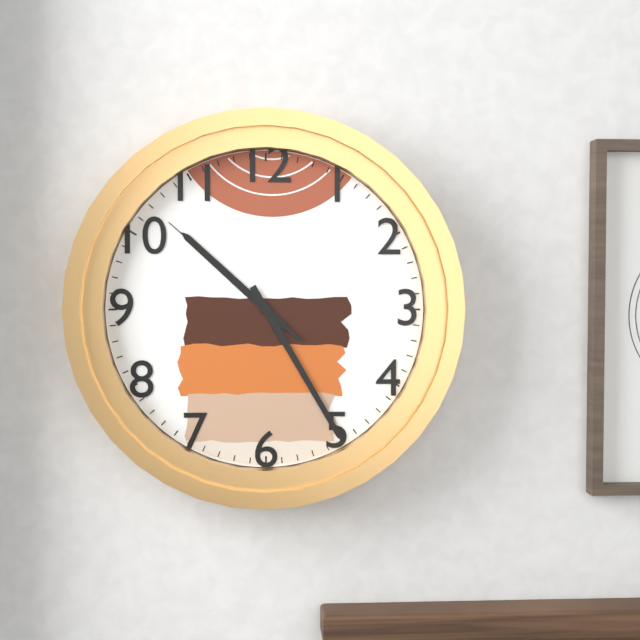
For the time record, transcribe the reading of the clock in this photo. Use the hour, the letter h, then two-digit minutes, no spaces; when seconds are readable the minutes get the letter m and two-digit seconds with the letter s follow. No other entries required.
10h25m52s
